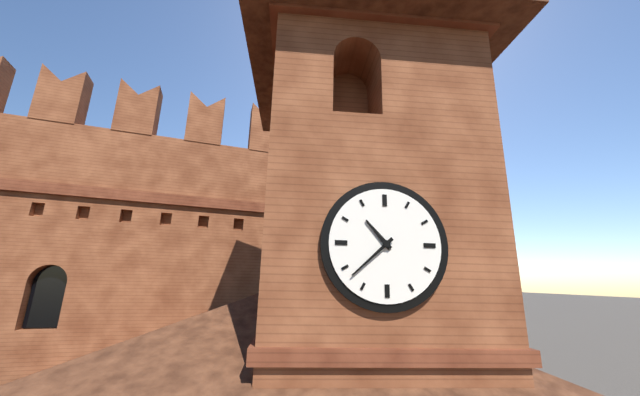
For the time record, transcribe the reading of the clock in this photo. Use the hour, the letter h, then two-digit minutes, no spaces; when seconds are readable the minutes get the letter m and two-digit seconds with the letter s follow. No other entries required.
10h38
